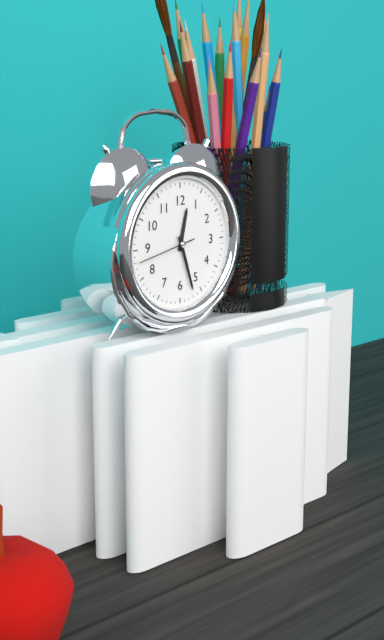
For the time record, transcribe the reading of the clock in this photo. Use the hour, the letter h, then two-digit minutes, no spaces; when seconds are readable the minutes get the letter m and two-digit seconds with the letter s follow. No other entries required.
12h27m43s
